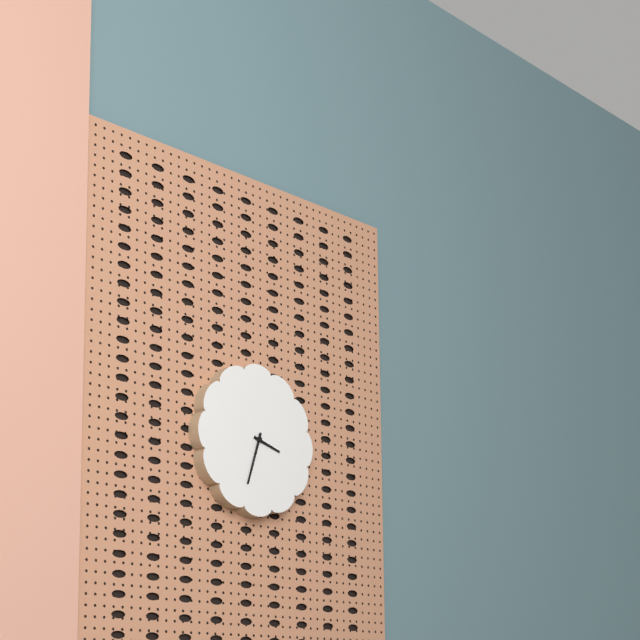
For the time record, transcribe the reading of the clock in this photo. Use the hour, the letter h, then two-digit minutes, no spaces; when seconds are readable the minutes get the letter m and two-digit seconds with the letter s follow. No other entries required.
3h33
